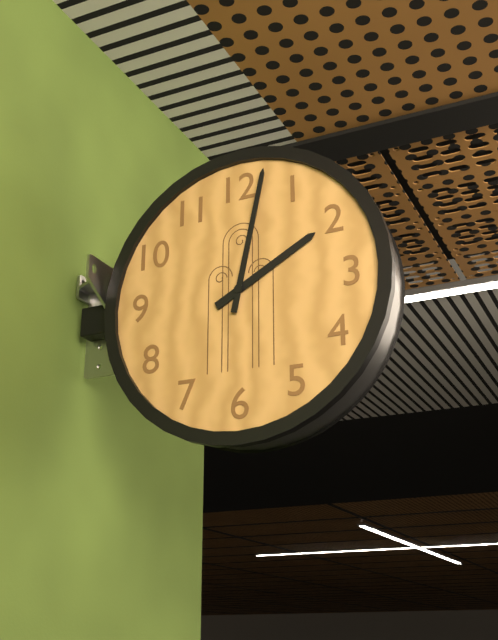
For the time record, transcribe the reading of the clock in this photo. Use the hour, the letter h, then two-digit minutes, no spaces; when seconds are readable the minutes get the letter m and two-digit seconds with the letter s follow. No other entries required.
2h02
